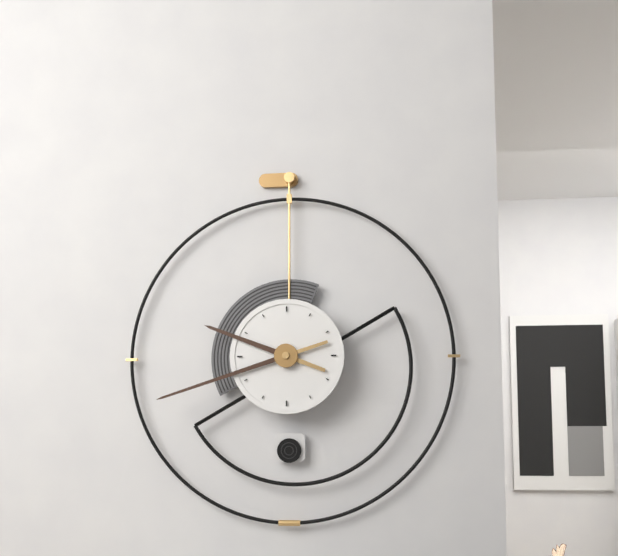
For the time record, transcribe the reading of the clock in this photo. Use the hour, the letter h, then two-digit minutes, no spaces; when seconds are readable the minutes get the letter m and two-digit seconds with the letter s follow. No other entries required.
9h42
